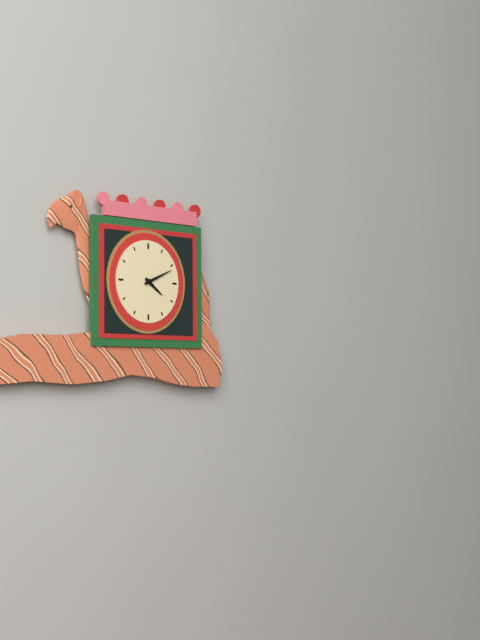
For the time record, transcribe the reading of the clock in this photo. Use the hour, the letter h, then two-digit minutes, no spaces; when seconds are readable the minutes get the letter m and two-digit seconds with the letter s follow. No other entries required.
4h11
